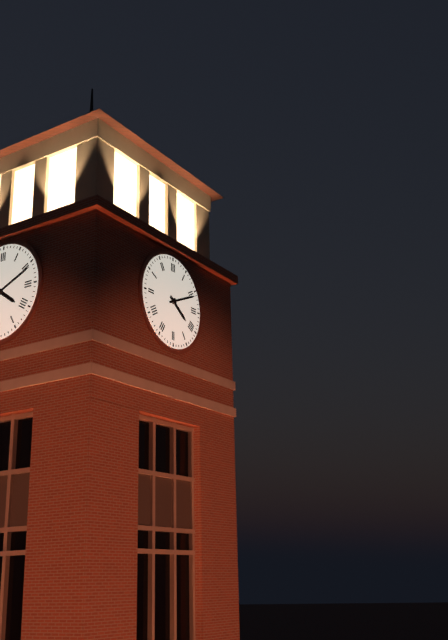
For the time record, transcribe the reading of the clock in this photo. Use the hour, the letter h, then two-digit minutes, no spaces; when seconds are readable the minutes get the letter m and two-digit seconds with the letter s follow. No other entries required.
4h11
